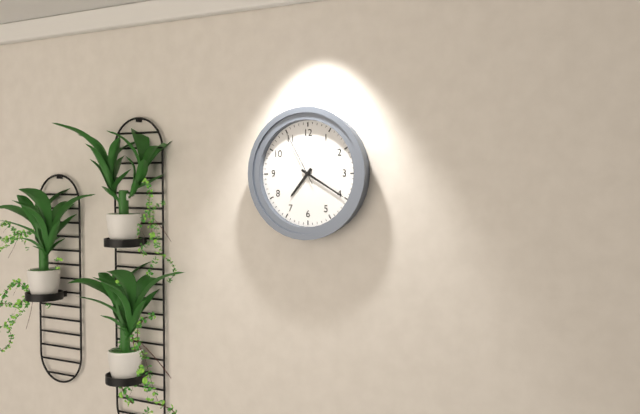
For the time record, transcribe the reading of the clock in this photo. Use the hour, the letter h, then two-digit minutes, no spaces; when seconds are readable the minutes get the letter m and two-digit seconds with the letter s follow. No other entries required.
7h20m55s
